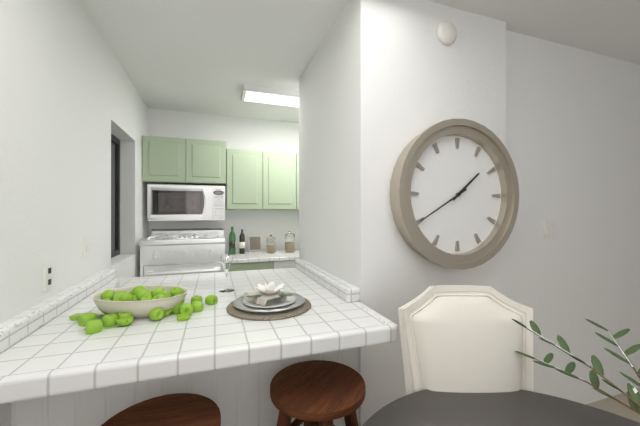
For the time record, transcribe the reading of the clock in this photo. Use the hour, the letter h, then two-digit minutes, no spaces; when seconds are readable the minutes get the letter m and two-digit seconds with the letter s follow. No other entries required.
1h40
